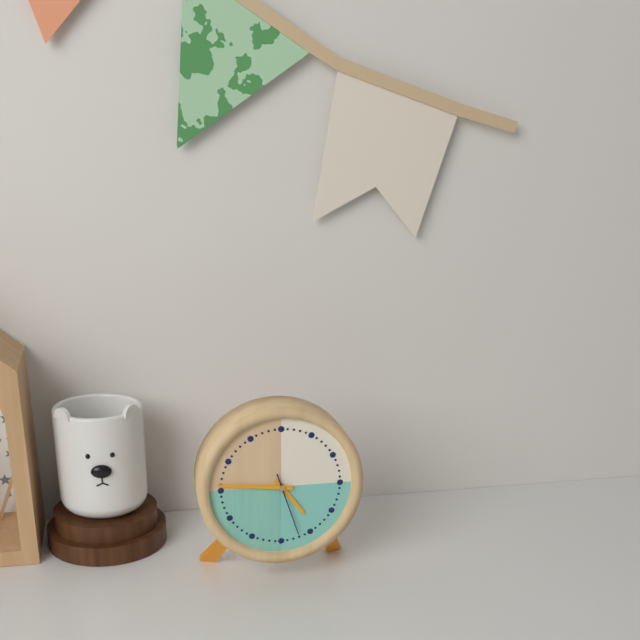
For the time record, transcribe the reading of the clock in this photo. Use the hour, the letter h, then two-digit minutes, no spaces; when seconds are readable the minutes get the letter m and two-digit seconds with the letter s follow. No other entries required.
4h46m27s
